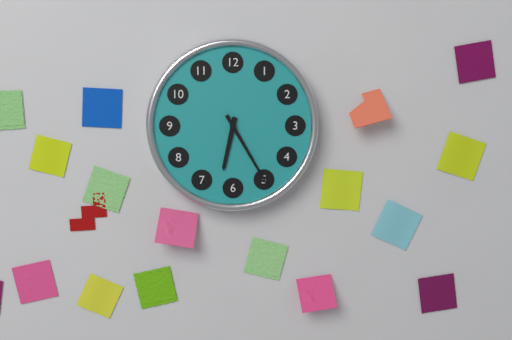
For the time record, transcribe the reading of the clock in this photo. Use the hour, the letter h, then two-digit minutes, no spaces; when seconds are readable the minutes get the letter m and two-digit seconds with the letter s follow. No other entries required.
6h25
